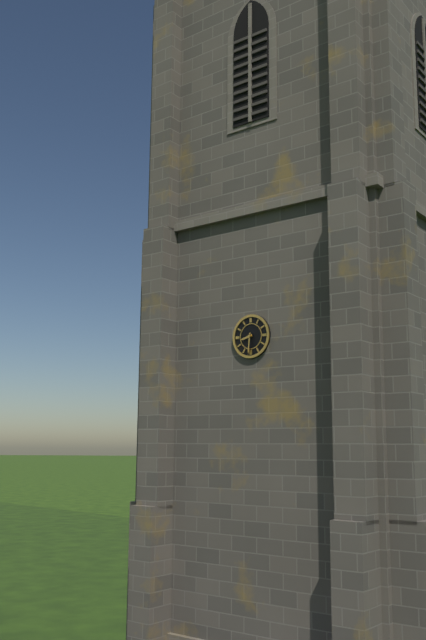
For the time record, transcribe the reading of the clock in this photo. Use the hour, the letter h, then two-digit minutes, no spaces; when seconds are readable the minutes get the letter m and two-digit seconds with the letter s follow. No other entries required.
8h31
